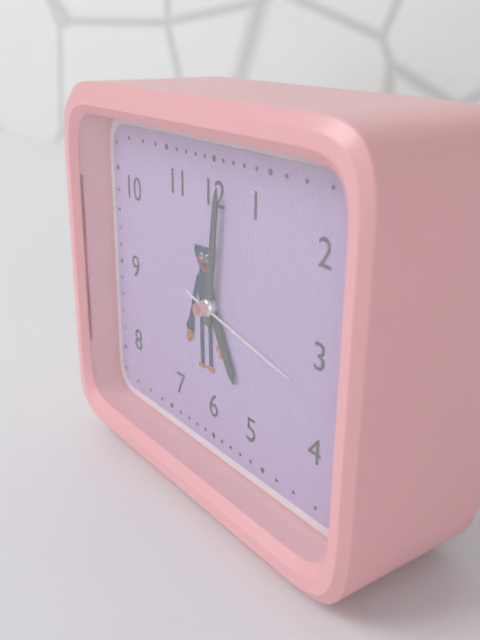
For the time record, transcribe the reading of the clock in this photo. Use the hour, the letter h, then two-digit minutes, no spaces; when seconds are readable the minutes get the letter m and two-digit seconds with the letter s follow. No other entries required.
5h01m17s
